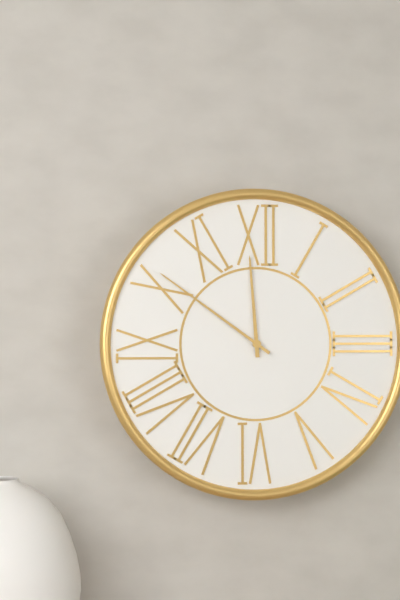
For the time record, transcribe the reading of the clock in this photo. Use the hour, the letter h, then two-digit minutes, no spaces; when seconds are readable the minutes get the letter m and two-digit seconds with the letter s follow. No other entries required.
11h51
